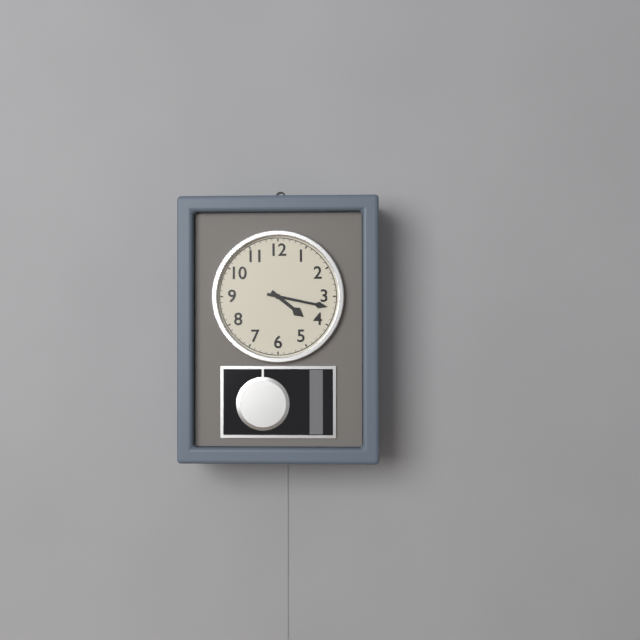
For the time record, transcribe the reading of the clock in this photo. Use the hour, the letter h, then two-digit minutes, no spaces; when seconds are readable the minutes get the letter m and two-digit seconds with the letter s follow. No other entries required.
4h17
